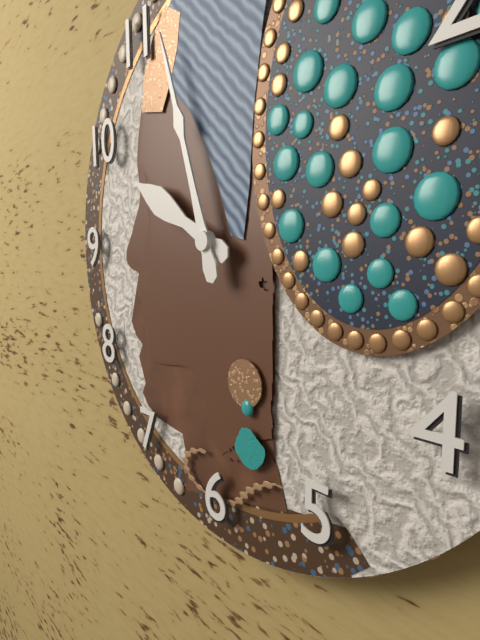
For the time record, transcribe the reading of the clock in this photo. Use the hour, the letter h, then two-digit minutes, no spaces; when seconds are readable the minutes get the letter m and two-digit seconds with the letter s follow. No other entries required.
9h57
